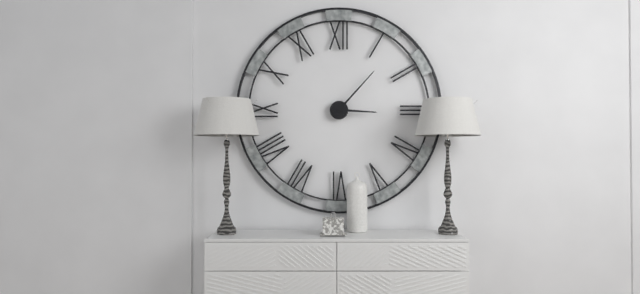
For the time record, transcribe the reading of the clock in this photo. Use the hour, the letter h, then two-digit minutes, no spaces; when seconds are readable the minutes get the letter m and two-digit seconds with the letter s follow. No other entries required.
3h07
